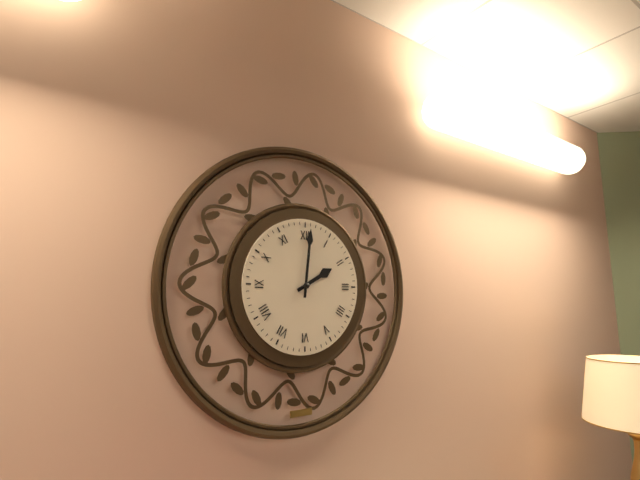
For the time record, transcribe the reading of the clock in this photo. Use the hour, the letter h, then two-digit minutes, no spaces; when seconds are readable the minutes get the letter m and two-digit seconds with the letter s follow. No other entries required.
2h01
